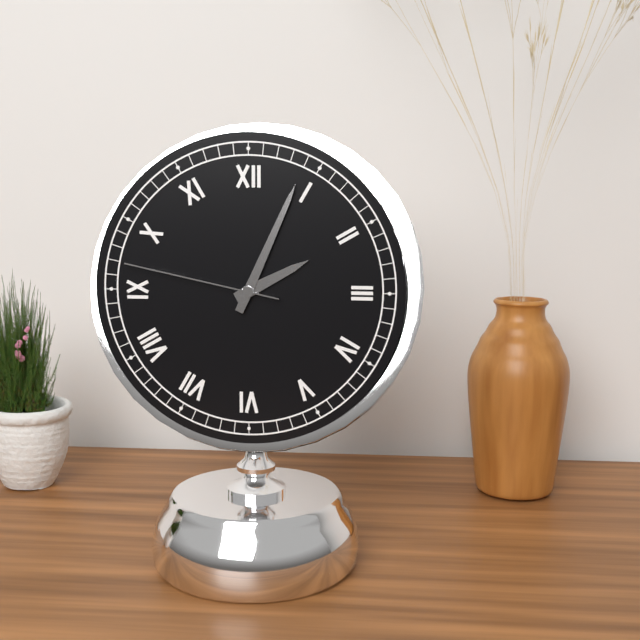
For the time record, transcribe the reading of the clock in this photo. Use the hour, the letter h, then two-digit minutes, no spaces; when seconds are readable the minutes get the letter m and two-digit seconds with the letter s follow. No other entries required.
2h04m47s
